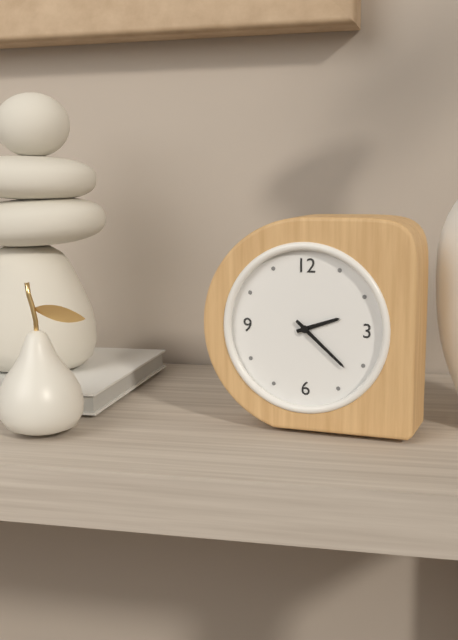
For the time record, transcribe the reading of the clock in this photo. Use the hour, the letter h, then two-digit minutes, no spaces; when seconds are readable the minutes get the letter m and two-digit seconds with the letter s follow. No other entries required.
2h22
